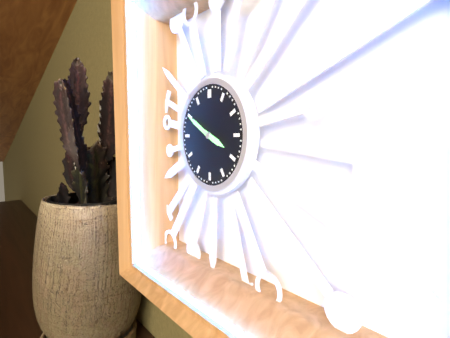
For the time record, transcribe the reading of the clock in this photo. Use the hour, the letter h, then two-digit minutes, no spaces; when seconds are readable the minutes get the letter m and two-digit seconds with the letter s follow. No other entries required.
3h50
